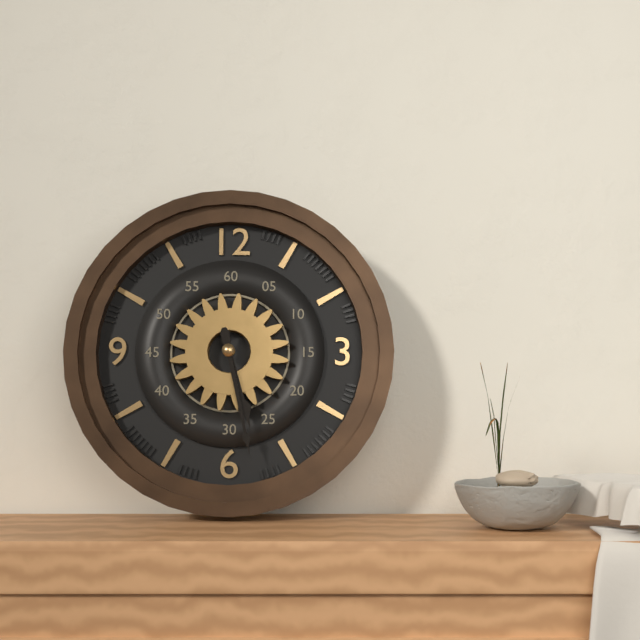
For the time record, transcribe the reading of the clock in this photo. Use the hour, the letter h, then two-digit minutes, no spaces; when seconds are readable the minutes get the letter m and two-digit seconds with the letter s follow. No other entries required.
5h28
